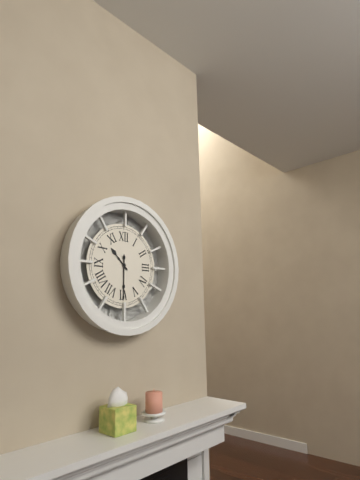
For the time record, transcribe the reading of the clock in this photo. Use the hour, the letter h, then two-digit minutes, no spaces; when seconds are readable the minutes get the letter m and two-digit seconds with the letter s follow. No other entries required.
10h30
